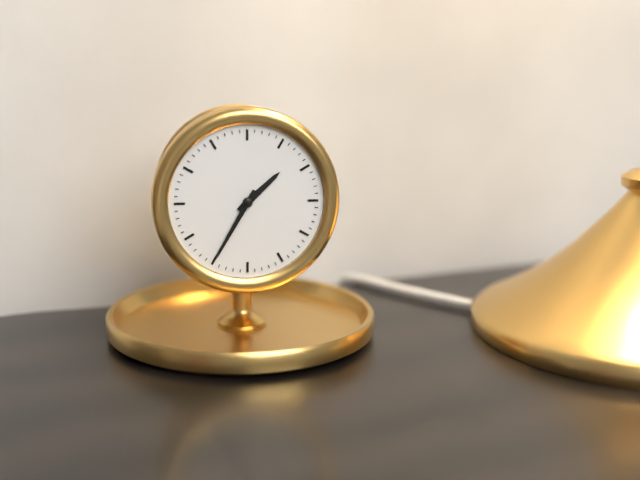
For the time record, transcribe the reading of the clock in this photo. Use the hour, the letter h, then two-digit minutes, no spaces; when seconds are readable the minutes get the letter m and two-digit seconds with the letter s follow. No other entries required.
1h35
